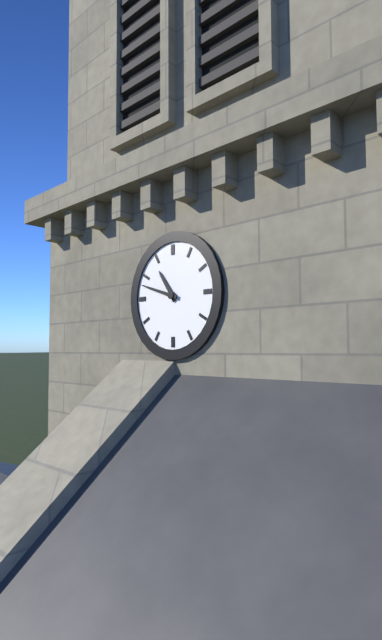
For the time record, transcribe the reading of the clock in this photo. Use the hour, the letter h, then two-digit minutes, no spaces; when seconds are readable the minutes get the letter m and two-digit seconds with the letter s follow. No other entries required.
10h48
